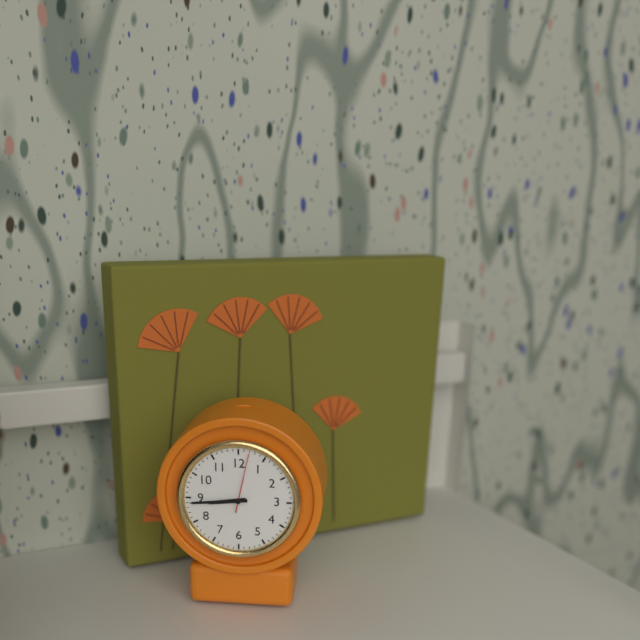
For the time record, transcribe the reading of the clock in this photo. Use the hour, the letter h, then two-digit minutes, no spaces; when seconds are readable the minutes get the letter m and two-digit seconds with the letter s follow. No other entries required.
8h44m02s
